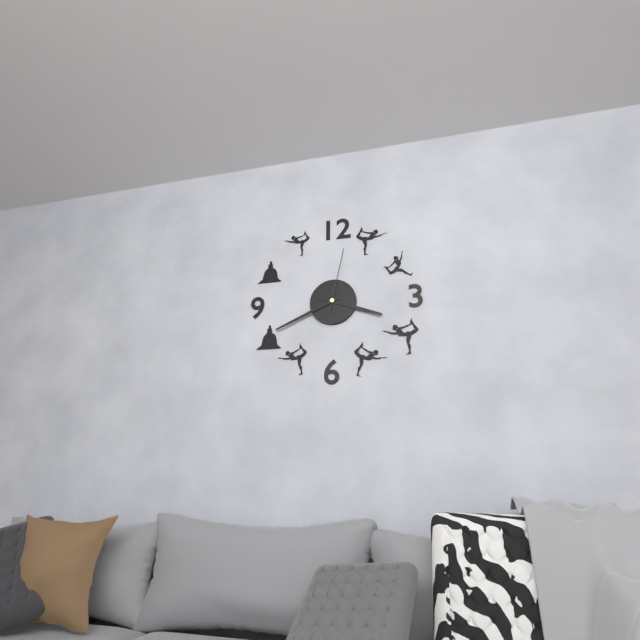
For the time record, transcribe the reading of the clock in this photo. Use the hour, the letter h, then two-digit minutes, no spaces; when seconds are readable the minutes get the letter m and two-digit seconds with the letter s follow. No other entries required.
3h41m02s
